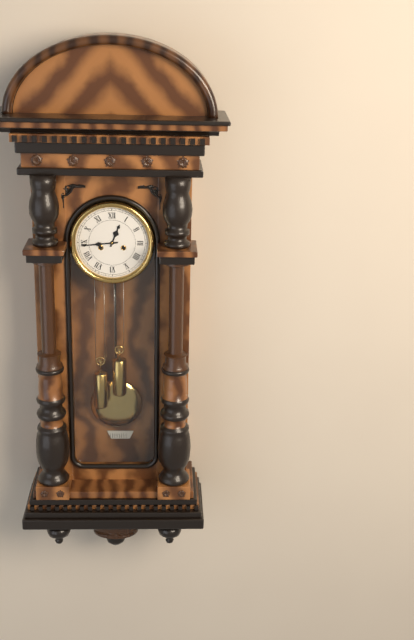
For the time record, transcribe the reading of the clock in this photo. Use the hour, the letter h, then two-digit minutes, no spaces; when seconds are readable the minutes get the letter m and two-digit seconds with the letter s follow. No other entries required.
12h44
